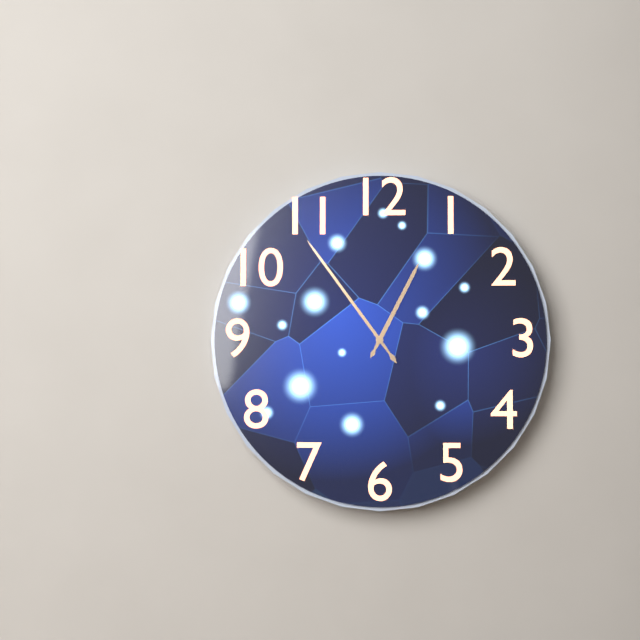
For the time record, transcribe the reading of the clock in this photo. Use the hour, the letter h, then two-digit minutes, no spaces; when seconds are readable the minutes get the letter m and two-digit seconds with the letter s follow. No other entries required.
12h54
